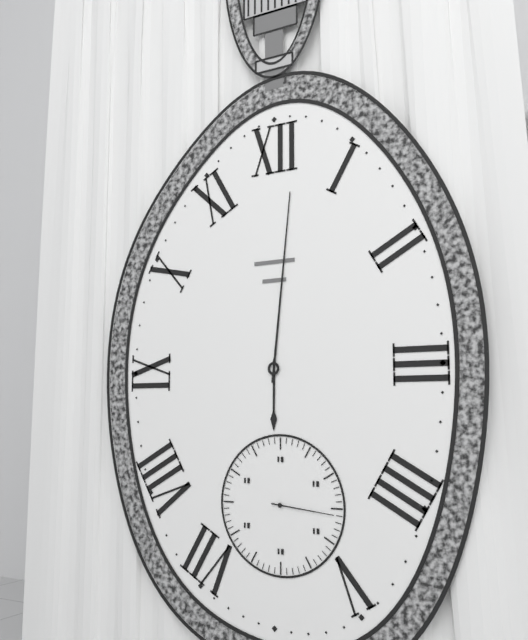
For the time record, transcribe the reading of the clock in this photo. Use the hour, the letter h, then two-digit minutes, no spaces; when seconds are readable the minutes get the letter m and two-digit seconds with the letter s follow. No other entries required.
6h01m16s
